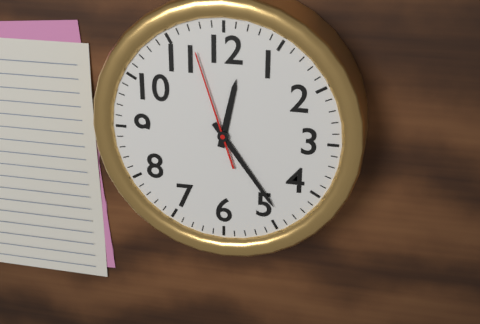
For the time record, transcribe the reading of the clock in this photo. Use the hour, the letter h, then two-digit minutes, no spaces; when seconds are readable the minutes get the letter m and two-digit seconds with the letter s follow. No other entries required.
12h24m57s
